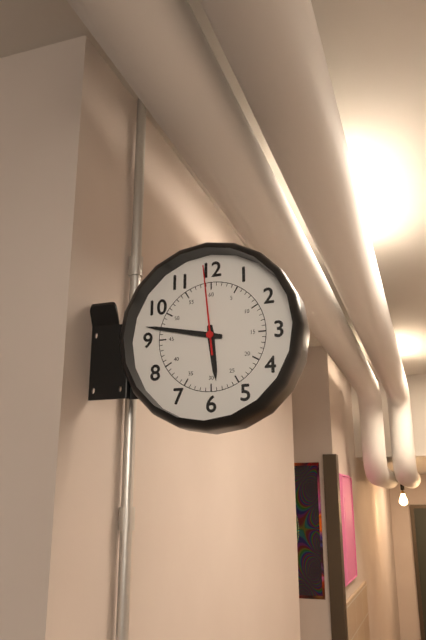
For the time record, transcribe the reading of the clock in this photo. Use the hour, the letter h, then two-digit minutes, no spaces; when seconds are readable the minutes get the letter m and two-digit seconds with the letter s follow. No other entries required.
5h47m59s
